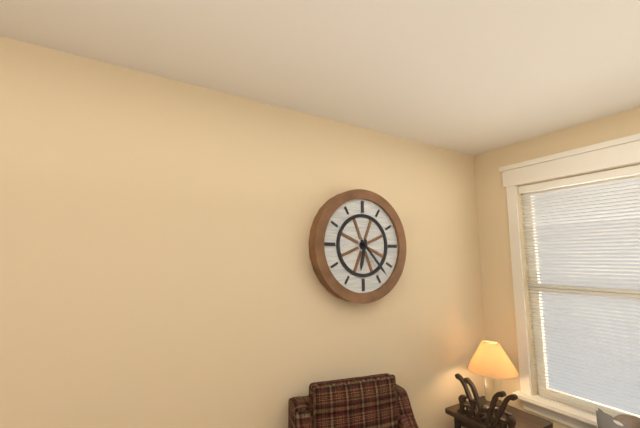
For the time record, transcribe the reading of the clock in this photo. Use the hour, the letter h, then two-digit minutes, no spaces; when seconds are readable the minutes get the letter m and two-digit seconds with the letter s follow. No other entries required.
6h23
